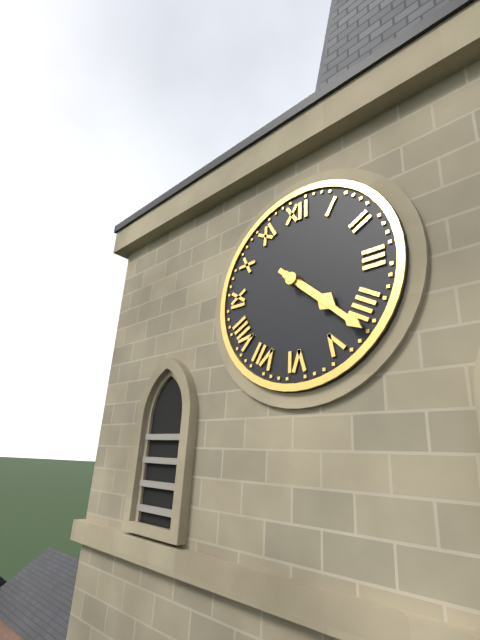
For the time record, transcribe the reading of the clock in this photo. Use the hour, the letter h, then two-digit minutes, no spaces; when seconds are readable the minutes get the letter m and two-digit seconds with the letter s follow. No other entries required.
4h22
